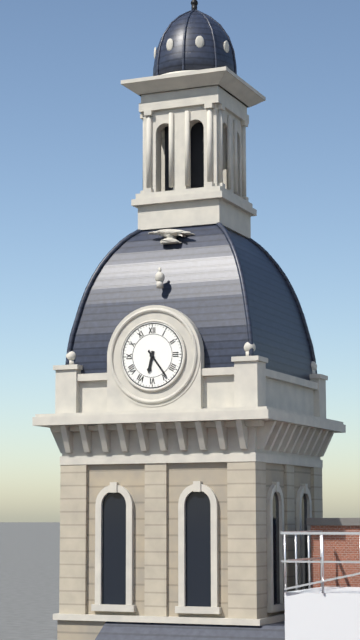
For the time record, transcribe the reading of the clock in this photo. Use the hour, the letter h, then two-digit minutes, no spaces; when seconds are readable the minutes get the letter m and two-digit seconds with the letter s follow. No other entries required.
6h24
